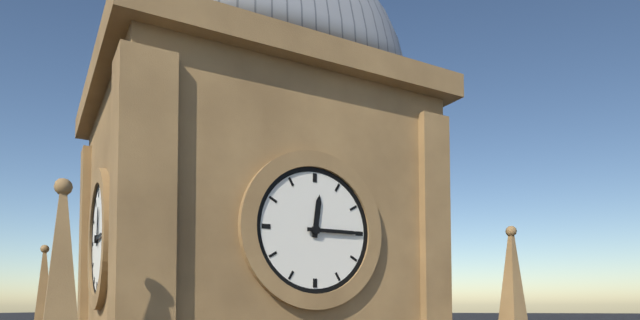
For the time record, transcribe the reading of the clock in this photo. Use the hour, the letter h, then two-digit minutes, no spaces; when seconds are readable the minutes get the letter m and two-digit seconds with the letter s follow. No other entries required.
12h15
